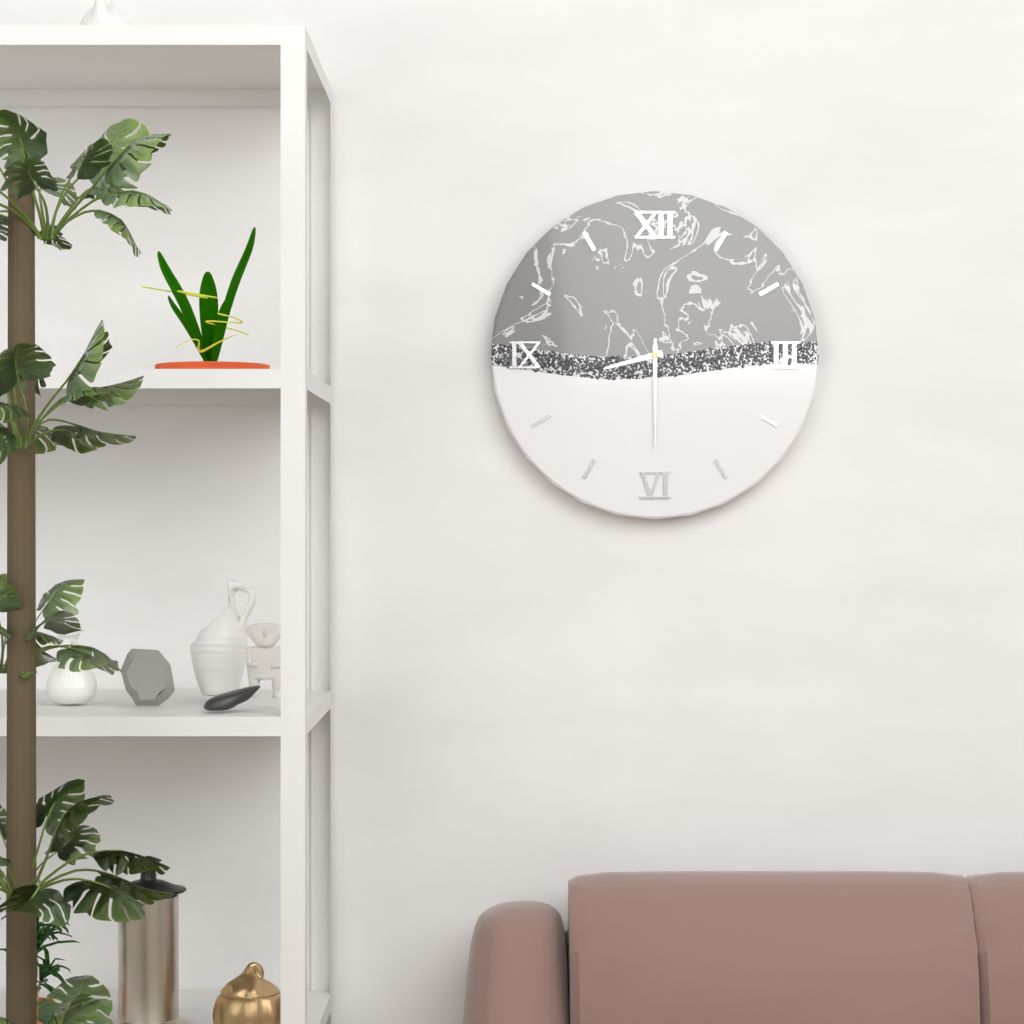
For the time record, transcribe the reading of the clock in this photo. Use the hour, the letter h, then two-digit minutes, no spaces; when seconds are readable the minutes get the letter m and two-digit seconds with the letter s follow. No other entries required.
8h30m30s
